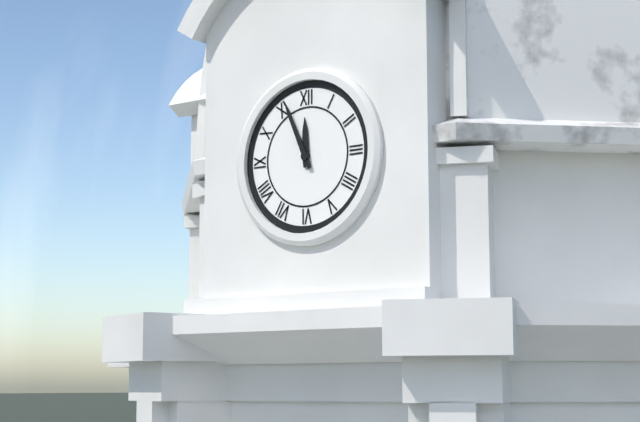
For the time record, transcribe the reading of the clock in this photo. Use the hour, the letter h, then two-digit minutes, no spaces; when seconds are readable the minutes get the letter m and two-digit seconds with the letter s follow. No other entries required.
11h56
